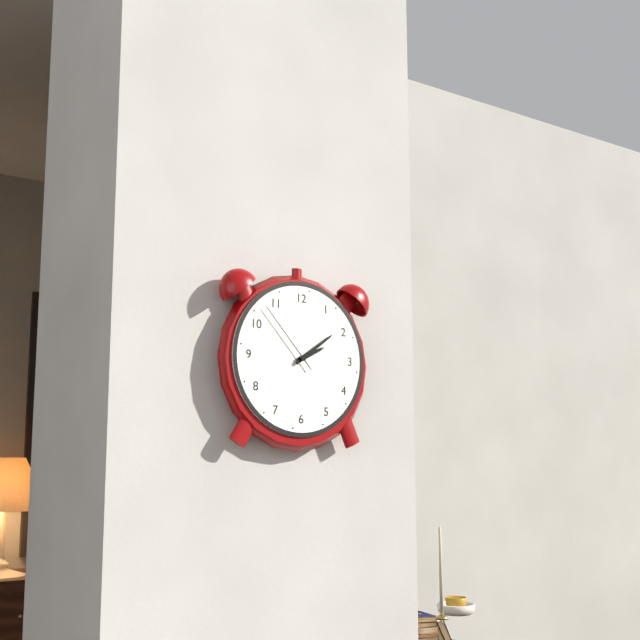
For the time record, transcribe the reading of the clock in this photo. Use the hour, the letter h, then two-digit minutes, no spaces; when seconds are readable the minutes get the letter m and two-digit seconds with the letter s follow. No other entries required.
2h09m53s
